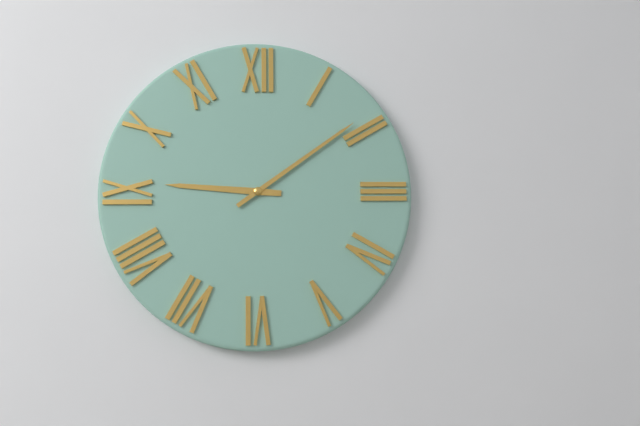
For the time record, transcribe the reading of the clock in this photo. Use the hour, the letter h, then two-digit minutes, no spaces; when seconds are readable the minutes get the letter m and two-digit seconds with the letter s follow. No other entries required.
9h09
